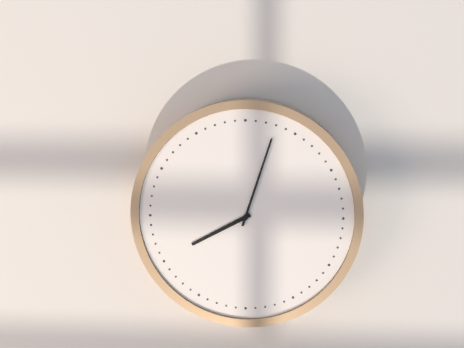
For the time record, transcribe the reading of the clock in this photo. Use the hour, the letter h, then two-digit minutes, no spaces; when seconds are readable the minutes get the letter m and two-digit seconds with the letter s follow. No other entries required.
8h03
